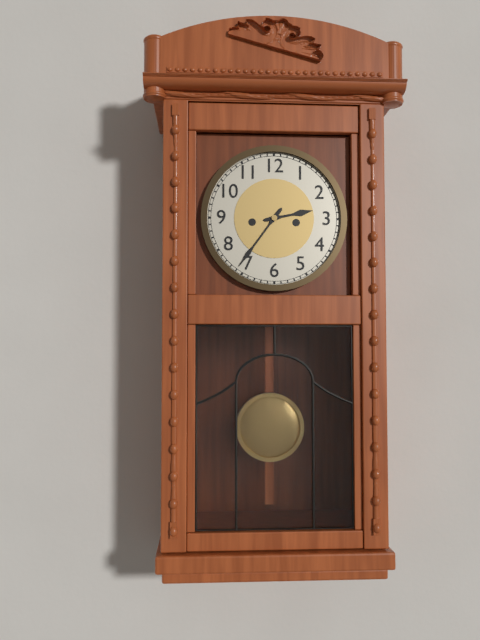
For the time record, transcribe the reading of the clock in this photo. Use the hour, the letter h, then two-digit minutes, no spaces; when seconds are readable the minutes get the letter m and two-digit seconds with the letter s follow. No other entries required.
2h36
